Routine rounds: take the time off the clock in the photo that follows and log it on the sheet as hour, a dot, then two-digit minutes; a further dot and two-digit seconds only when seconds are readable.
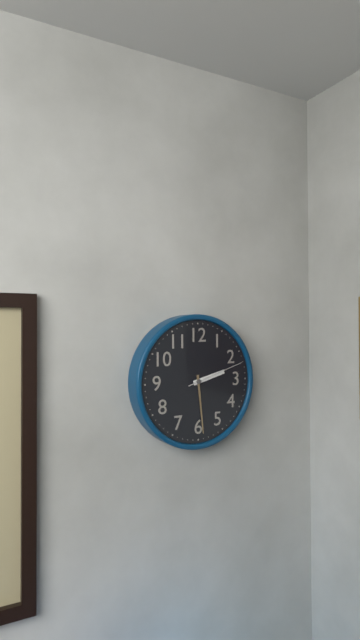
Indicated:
2.29.12
